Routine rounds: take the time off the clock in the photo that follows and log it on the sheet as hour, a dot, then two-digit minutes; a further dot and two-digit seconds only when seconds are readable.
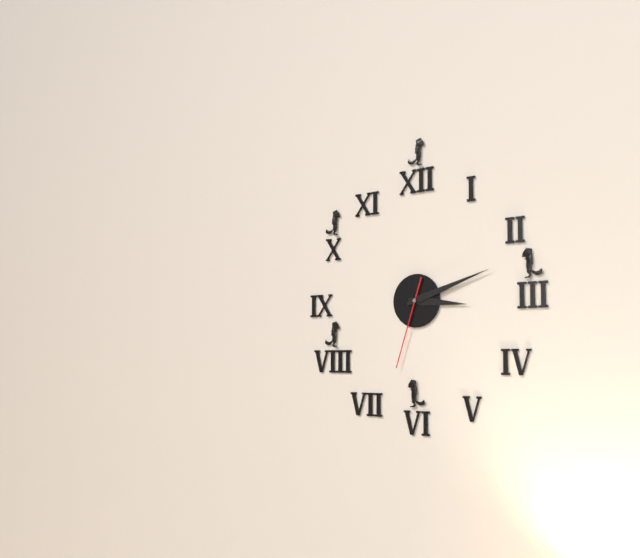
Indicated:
3.12.33
